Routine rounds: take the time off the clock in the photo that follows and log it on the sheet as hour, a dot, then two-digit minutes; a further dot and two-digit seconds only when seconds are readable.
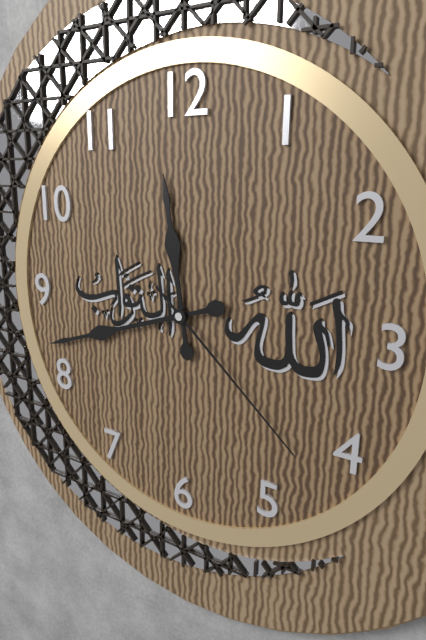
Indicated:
11.42.22
